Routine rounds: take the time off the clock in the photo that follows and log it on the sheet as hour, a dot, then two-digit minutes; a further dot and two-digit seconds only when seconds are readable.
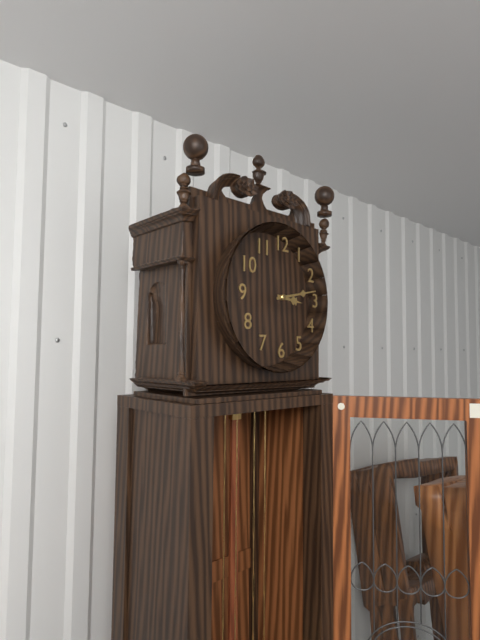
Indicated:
3.13
